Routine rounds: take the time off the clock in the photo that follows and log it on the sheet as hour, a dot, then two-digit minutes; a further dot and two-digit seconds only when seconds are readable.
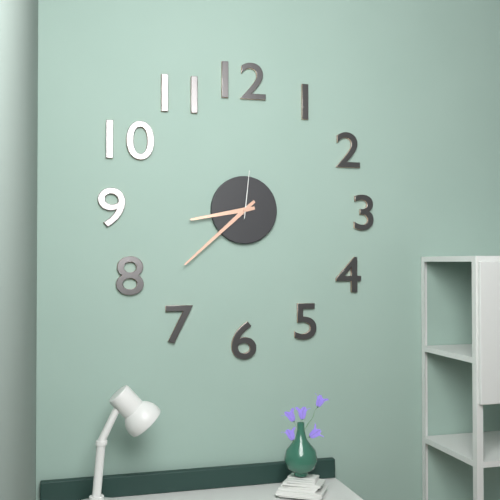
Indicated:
8.38
